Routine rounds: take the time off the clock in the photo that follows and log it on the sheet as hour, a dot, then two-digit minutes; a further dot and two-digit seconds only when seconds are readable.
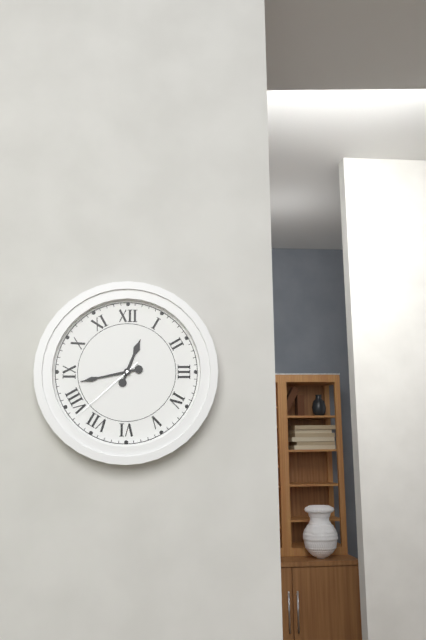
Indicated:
12.43.38
